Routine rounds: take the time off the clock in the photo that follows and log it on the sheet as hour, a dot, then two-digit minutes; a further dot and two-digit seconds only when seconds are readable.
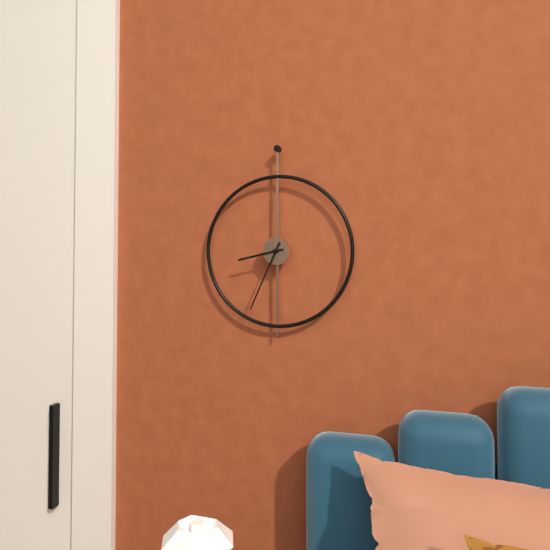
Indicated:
8.34
